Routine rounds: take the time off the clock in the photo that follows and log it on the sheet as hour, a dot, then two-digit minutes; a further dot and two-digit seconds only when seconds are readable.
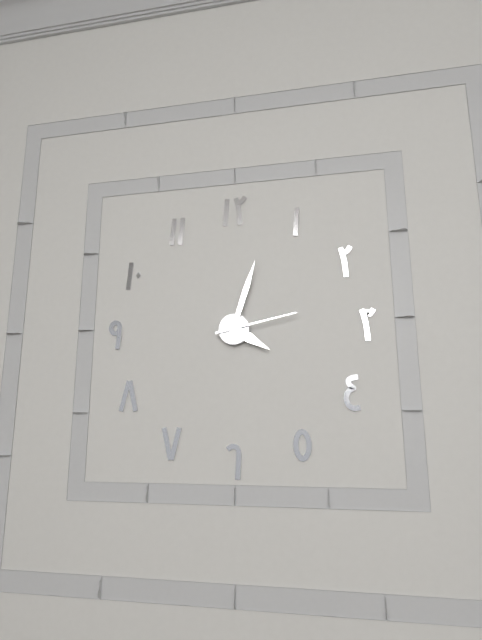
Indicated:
4.03.13
